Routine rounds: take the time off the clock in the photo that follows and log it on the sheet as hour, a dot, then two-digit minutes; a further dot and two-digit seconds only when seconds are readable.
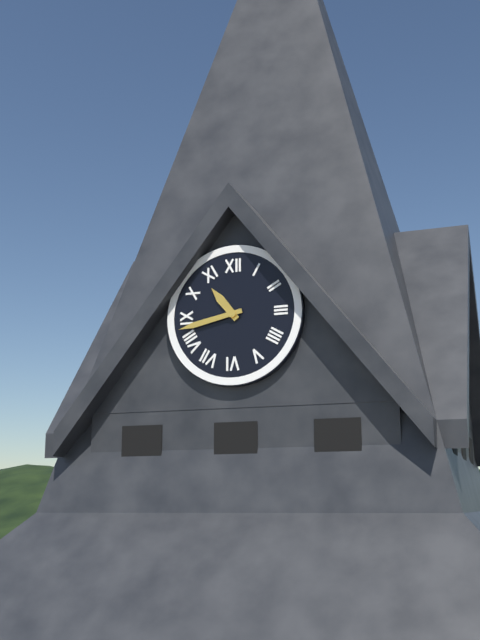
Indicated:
10.43
